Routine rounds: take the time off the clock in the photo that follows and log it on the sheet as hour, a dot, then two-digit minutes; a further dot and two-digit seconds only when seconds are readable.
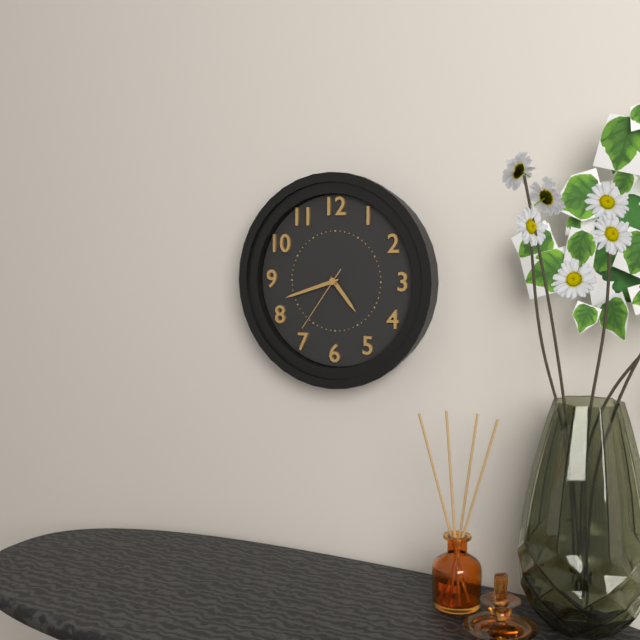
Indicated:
4.42.36
